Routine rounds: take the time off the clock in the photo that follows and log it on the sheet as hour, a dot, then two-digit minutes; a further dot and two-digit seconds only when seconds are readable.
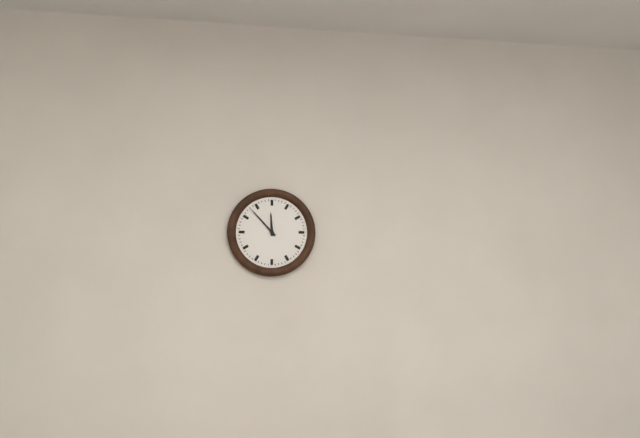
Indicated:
11.53
